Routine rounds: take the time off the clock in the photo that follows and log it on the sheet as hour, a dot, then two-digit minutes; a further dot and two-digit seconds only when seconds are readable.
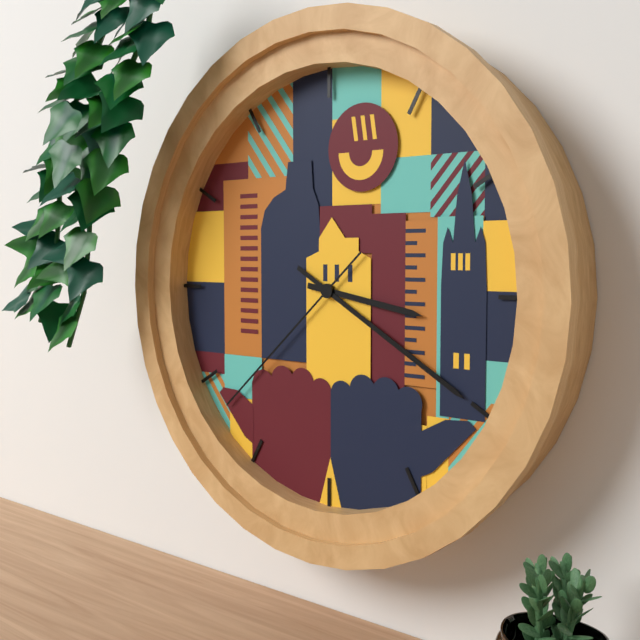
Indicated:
3.20.38
